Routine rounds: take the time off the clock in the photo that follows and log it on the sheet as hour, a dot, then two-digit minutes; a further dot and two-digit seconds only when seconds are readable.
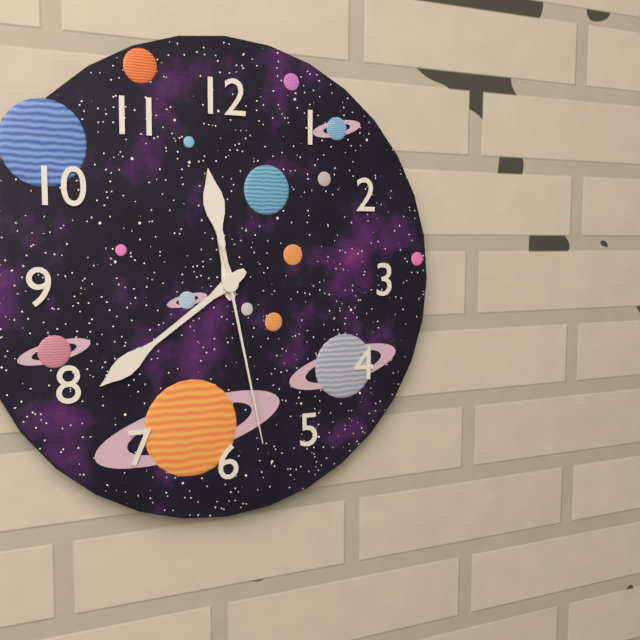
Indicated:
11.39.28
